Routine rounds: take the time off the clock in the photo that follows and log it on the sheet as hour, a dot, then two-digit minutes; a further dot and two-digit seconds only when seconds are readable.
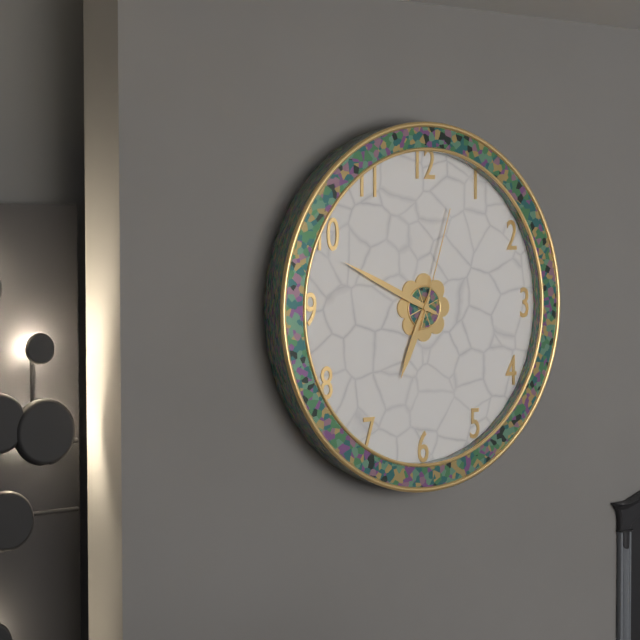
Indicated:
6.49.03
